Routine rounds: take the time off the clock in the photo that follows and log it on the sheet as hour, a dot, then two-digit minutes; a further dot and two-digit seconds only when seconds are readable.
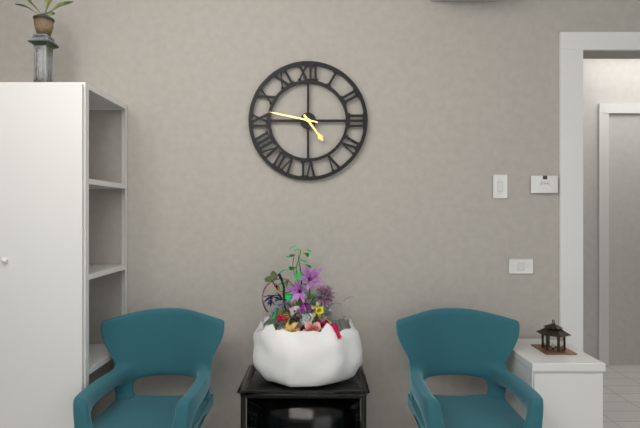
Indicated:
4.47
